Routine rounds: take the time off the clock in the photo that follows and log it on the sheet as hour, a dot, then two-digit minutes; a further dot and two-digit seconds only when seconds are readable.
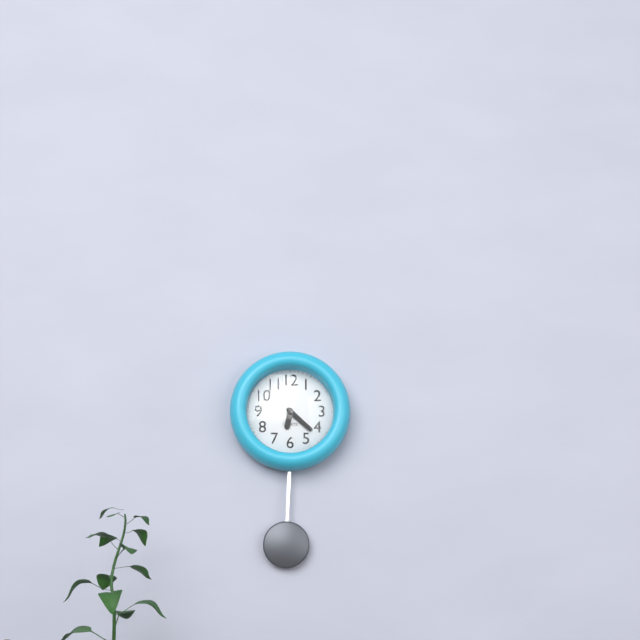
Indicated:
6.22
